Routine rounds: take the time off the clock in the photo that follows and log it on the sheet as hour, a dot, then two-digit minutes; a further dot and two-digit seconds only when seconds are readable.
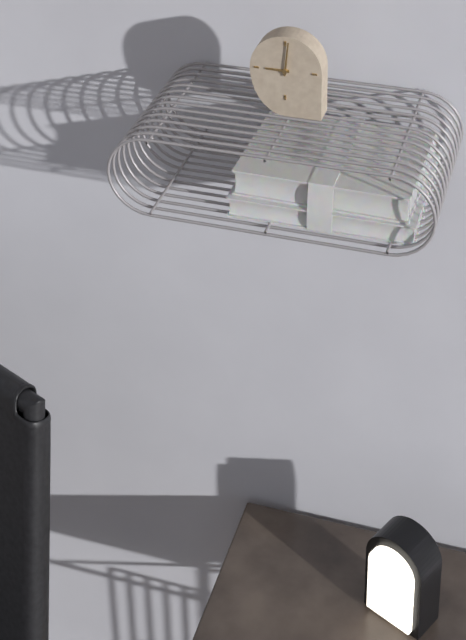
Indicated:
9.01
